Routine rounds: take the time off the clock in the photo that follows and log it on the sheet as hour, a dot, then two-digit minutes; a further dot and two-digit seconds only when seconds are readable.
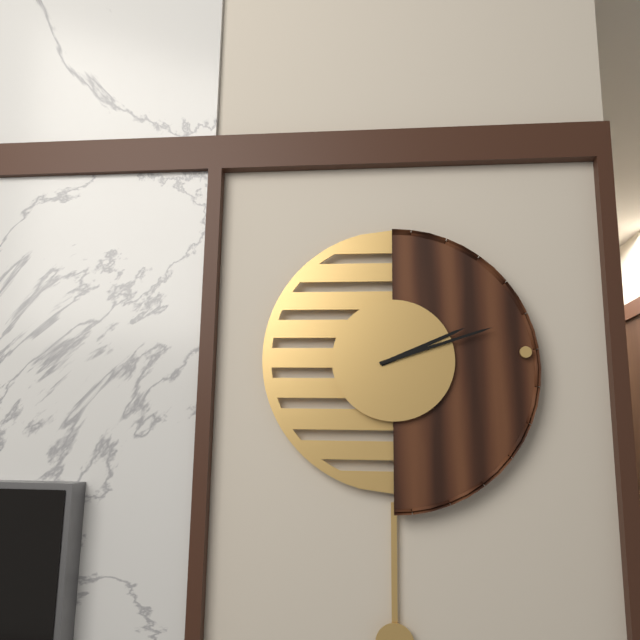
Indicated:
2.12
